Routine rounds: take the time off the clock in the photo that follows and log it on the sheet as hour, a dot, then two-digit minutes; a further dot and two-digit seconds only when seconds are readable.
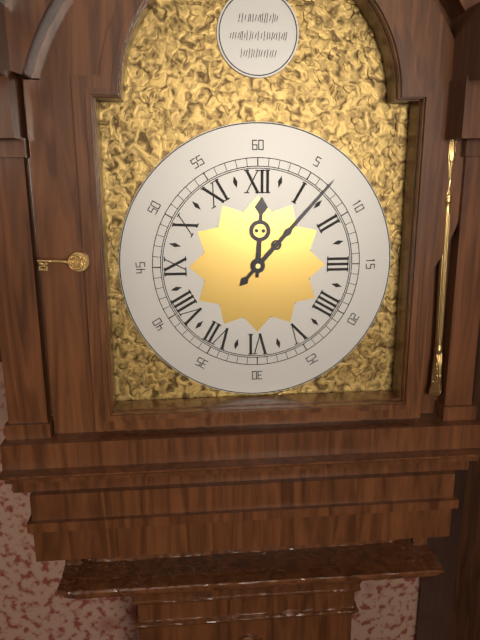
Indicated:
12.07
